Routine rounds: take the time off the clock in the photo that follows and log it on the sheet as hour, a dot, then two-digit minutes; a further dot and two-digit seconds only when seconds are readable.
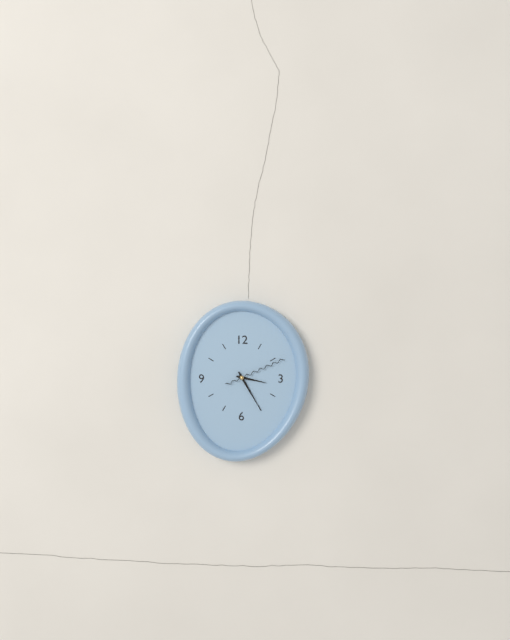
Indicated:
3.25.11
